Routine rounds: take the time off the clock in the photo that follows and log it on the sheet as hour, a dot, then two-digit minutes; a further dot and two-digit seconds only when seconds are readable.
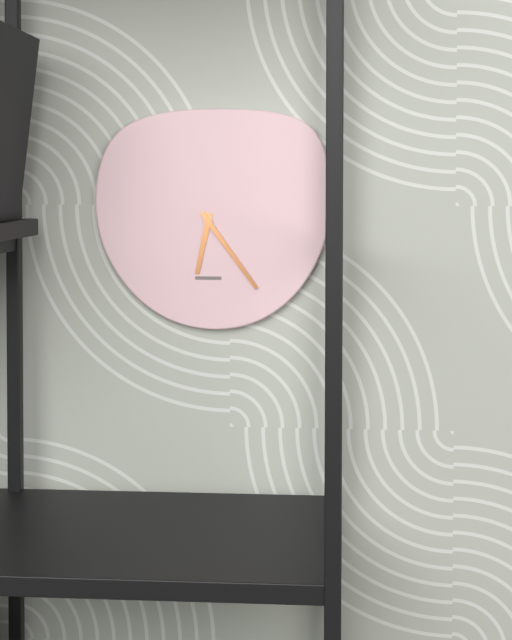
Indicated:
6.24
